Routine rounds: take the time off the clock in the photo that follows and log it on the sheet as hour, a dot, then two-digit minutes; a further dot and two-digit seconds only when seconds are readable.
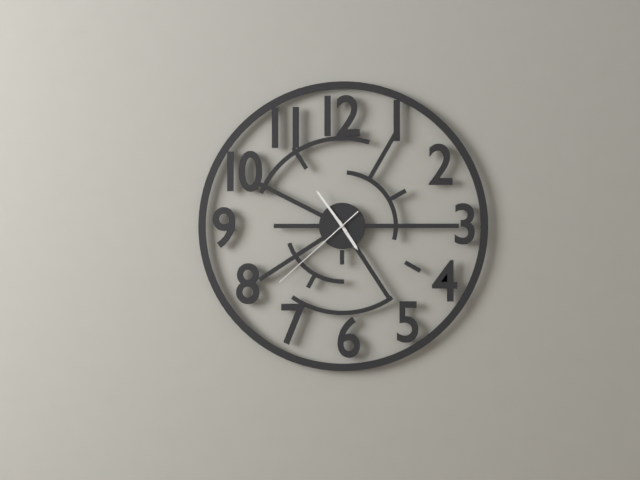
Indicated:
4.54.38
